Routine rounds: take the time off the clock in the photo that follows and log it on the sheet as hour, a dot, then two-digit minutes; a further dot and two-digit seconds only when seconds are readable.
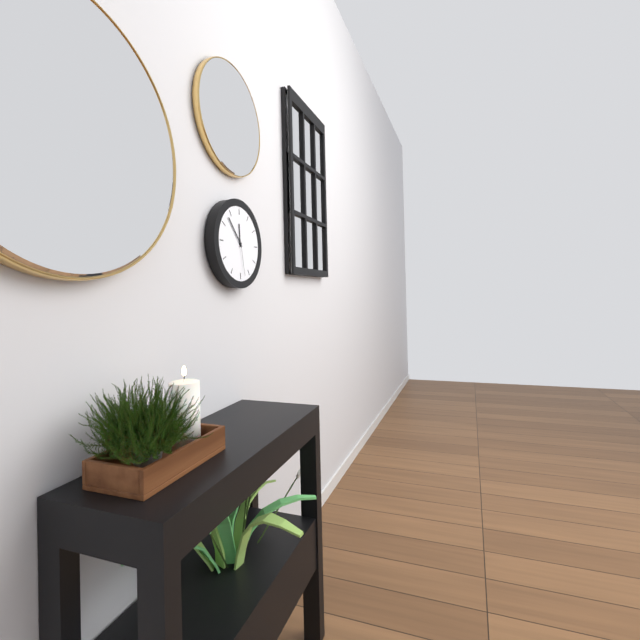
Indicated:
11.53
